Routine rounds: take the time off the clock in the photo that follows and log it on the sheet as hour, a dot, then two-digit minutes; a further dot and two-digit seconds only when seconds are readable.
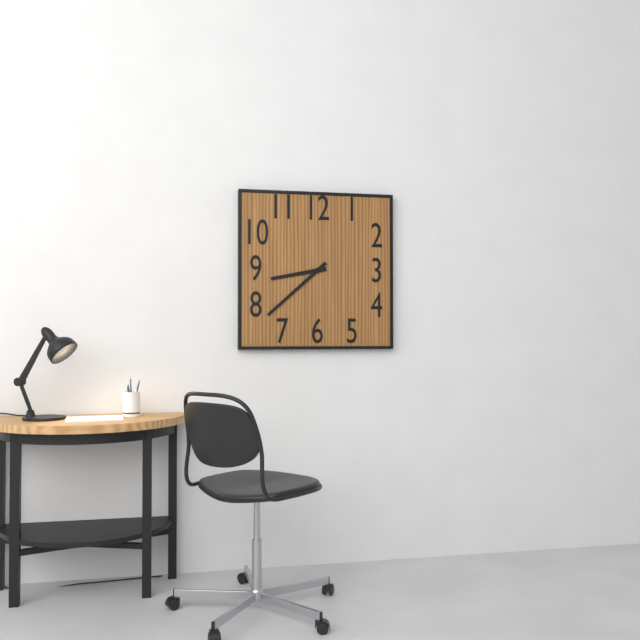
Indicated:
8.38
